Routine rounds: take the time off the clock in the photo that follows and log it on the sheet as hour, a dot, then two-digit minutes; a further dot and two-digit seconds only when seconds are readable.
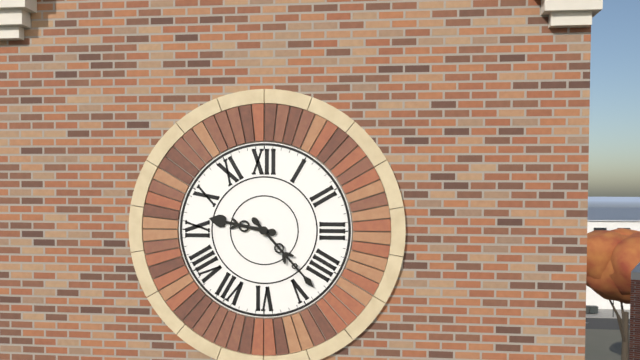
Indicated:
9.23
